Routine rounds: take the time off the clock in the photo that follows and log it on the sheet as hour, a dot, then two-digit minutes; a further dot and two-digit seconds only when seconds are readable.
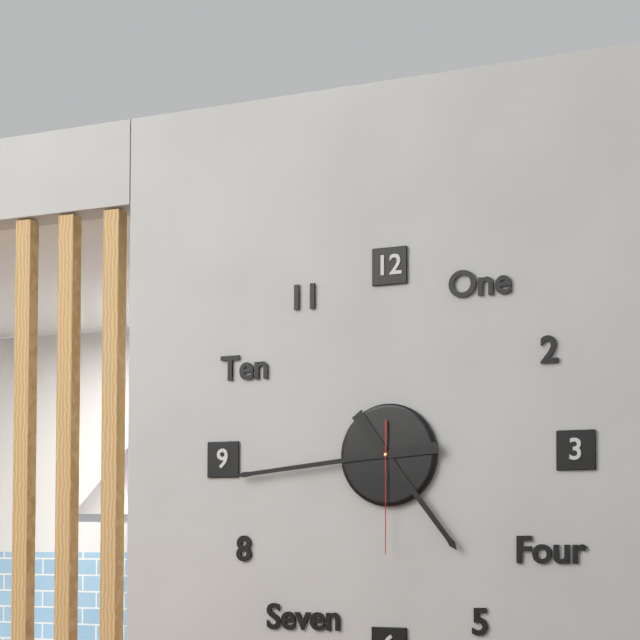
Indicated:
4.44.30
